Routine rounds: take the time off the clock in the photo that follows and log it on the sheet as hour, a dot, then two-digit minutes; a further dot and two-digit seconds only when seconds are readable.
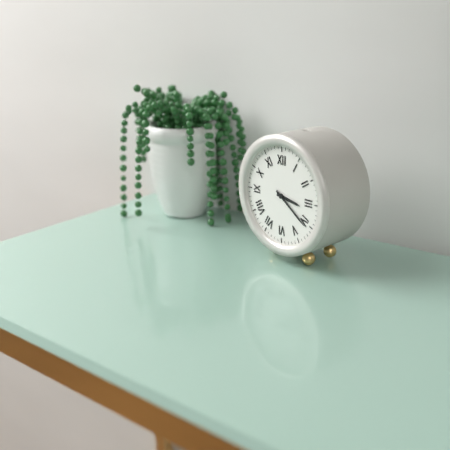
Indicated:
3.21
